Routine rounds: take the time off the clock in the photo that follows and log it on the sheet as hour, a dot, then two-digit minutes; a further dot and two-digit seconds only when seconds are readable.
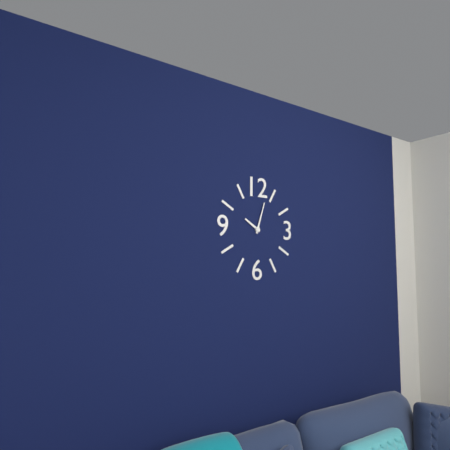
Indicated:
10.03
